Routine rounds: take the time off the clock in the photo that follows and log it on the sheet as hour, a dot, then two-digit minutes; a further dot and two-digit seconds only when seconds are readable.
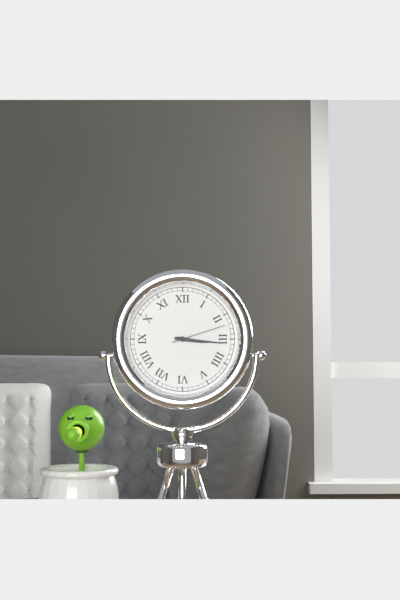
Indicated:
3.16.12
